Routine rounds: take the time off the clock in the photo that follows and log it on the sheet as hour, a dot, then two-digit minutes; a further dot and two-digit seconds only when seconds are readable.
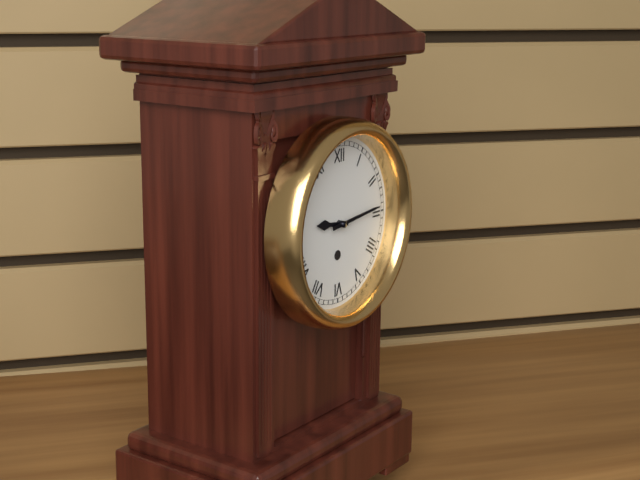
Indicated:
9.14
